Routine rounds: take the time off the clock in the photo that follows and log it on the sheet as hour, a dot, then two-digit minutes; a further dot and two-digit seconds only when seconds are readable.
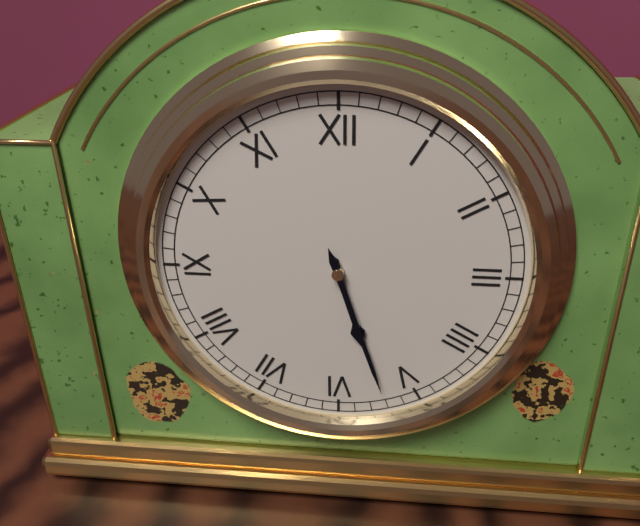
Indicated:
5.27
